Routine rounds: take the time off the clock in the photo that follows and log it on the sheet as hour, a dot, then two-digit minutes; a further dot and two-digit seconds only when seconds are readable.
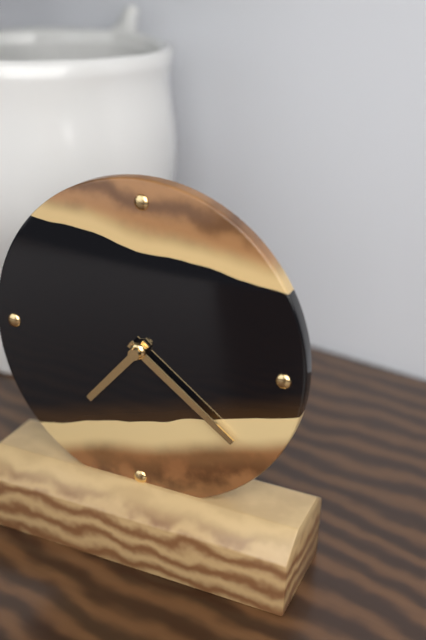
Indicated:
7.21
